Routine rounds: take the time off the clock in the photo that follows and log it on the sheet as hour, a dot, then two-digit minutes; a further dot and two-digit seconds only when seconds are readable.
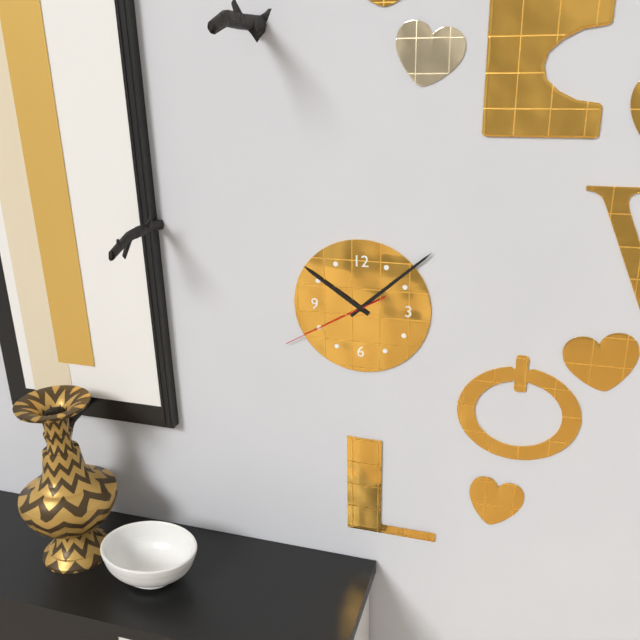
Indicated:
10.08.40
